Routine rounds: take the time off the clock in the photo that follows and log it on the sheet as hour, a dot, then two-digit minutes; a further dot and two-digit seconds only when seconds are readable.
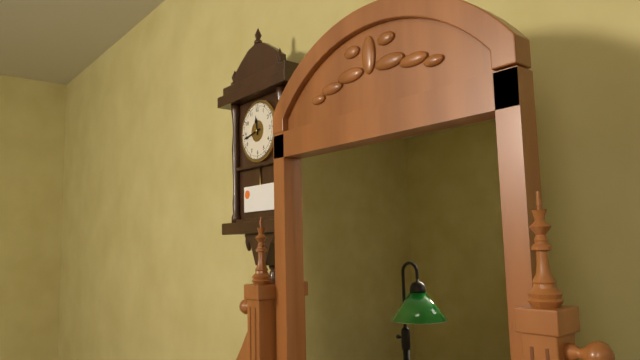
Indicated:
11.43
